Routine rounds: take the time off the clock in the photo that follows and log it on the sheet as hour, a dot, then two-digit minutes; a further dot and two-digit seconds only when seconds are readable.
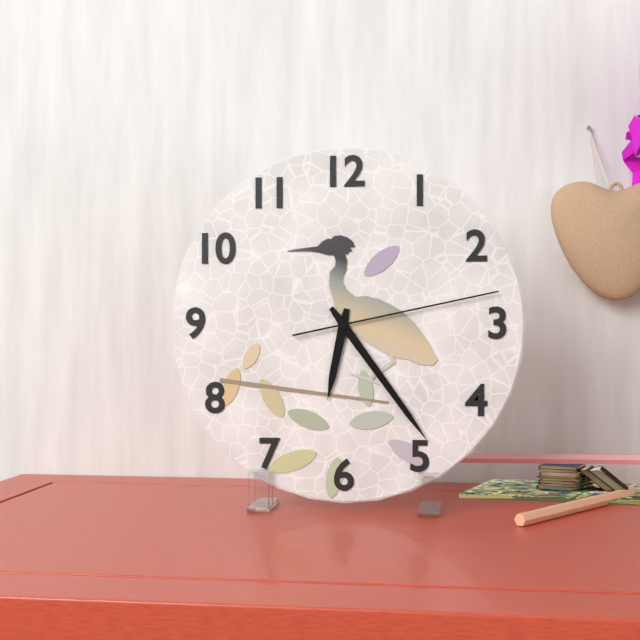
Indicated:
6.24.13
